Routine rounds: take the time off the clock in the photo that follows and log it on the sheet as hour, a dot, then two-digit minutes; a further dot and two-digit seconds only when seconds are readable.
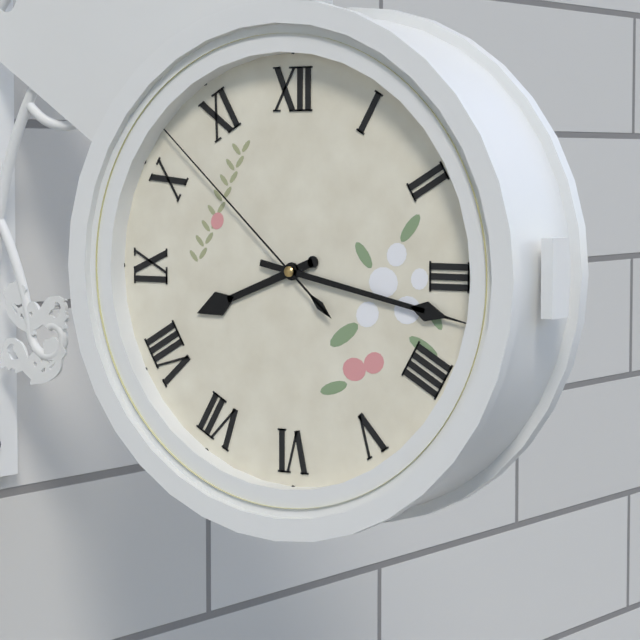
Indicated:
8.17.52
